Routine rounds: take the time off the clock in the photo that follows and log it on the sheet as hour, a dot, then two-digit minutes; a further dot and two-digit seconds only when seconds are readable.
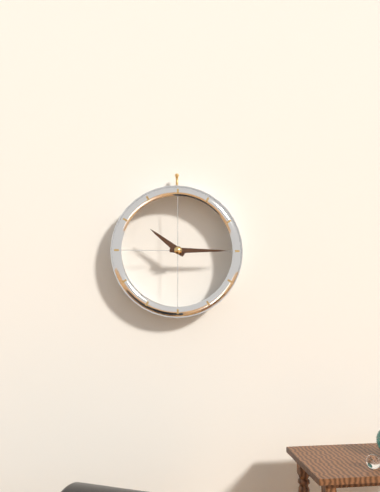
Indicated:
10.15
